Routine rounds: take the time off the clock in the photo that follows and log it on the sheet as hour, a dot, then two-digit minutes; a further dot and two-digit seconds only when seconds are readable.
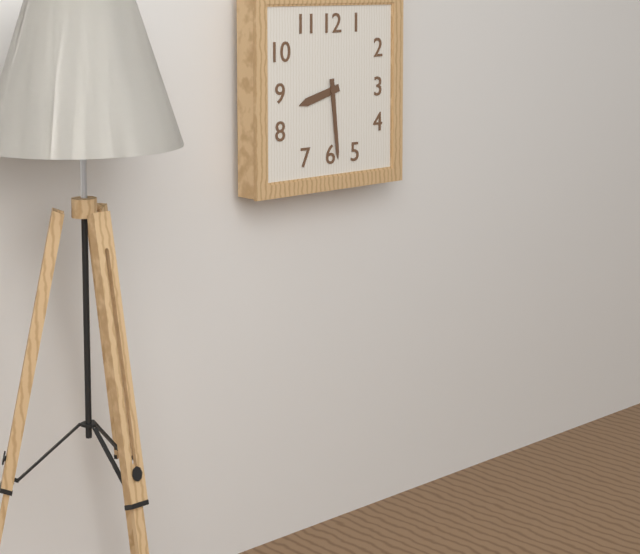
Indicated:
8.29
